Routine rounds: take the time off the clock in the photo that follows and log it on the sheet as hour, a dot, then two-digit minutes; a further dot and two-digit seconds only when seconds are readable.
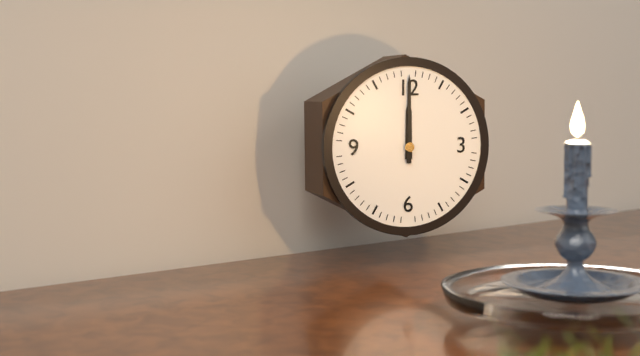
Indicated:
12.00
